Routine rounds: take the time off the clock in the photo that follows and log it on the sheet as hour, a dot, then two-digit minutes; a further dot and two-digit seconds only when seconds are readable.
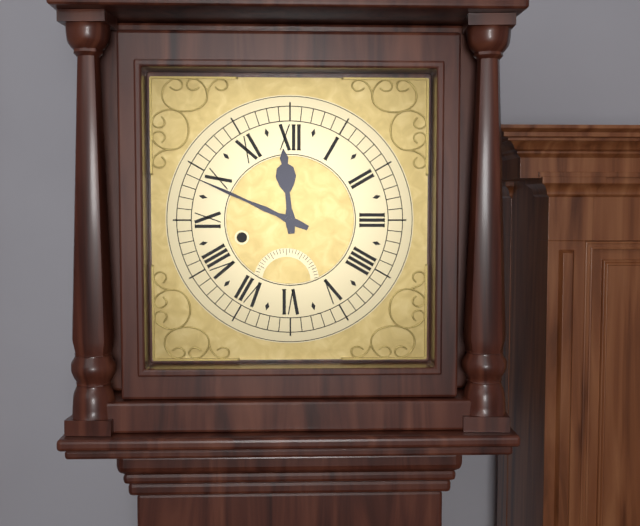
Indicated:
11.49
